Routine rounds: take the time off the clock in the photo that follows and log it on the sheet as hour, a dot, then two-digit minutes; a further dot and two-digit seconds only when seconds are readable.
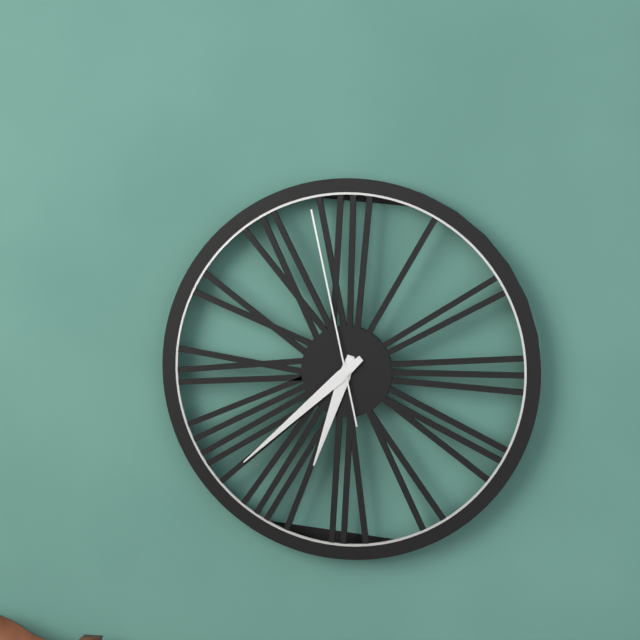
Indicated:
6.38.58
